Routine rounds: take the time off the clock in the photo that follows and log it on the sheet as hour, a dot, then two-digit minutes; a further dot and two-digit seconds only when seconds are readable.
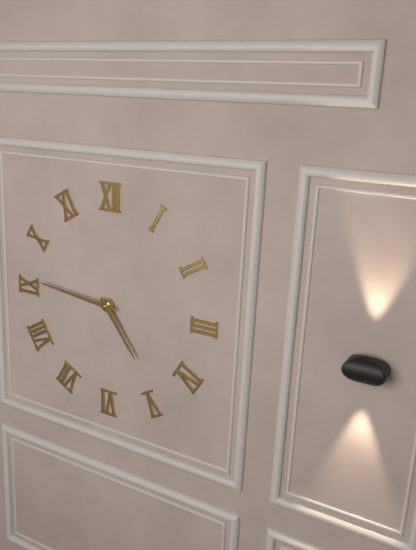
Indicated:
4.46
